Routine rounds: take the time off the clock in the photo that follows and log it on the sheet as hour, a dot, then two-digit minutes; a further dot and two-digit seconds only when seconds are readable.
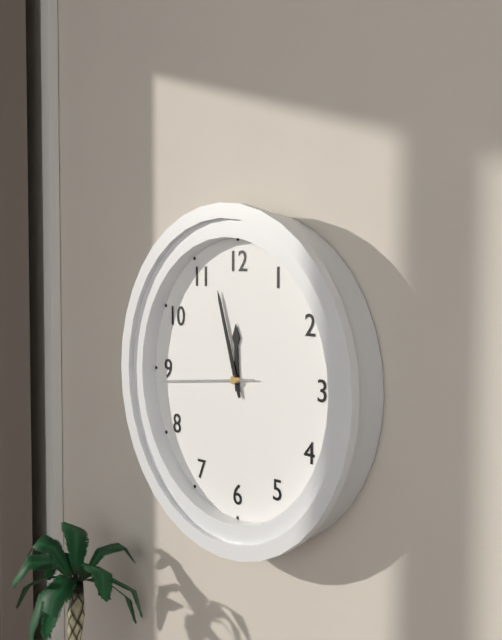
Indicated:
11.57.44
